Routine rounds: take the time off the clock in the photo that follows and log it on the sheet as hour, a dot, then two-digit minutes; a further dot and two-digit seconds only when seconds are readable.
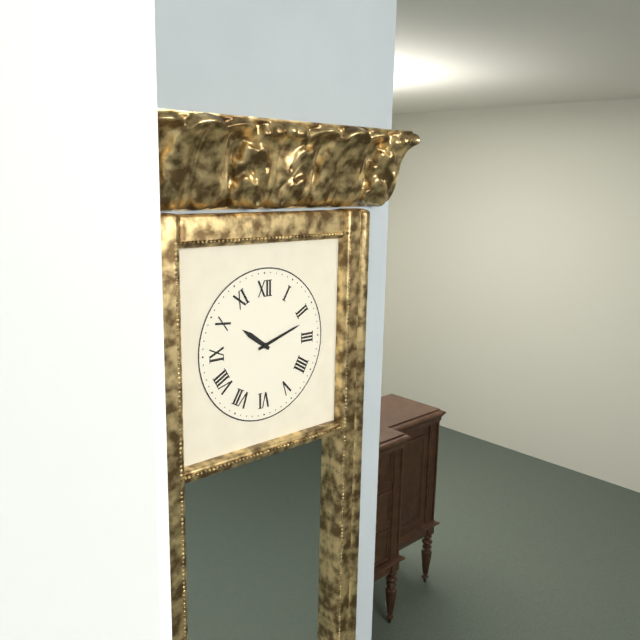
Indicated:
10.12
